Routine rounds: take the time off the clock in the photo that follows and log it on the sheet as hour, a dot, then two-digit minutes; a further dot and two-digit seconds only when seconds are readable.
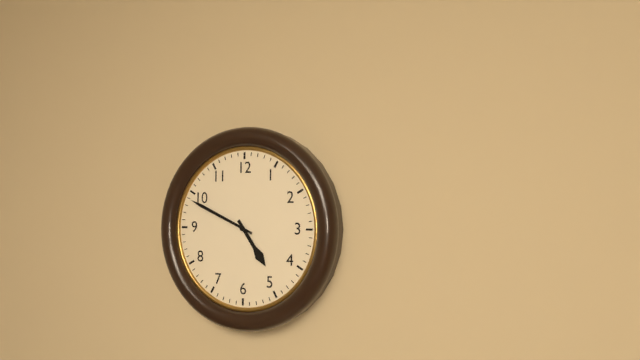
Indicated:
4.49
